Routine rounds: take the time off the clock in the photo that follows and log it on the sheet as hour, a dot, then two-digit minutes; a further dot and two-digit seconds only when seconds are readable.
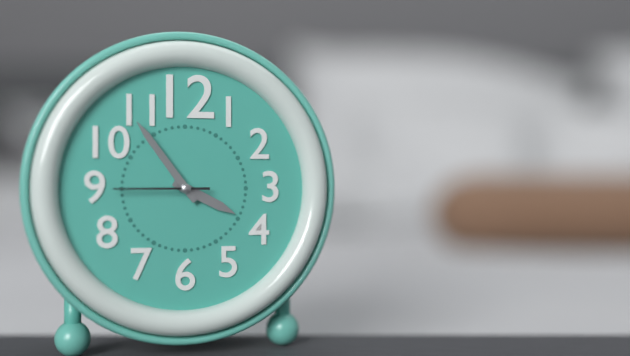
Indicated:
3.54.45
